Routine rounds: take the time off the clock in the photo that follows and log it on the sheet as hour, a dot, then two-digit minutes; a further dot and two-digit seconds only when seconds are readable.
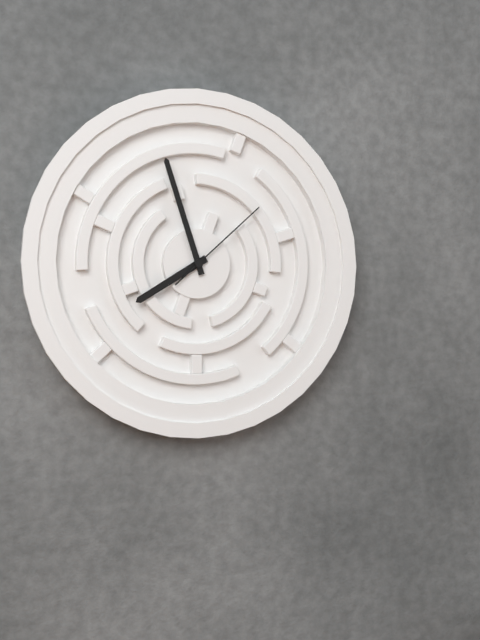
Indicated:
7.57.08
